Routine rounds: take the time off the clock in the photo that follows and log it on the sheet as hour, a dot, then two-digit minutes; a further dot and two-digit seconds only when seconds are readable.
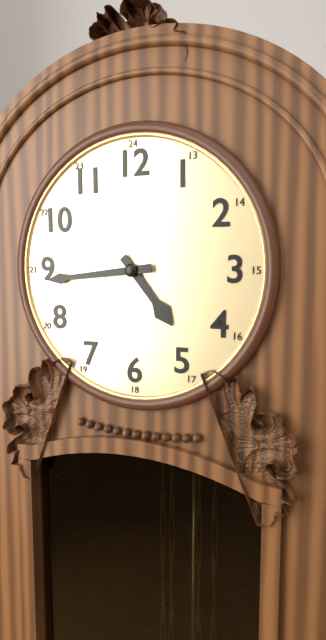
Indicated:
4.44
